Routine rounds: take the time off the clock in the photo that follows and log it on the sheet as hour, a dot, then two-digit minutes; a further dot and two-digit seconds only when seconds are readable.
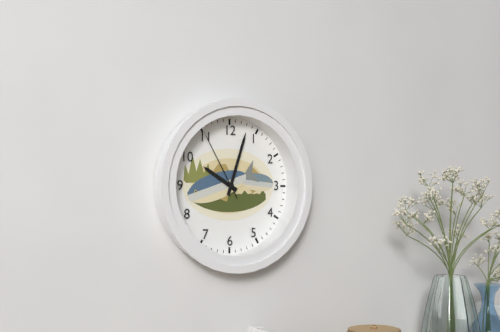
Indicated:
10.03.55
